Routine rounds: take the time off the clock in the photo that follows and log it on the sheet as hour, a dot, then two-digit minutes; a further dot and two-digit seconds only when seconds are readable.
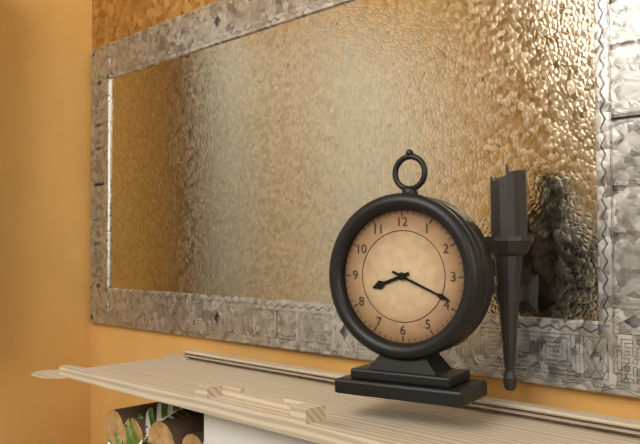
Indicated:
8.19
